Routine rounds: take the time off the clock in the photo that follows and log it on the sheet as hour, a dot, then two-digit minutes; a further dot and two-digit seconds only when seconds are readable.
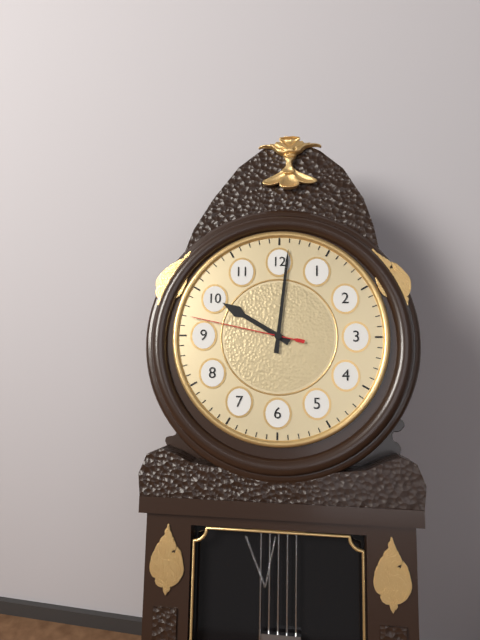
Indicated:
10.01.47
